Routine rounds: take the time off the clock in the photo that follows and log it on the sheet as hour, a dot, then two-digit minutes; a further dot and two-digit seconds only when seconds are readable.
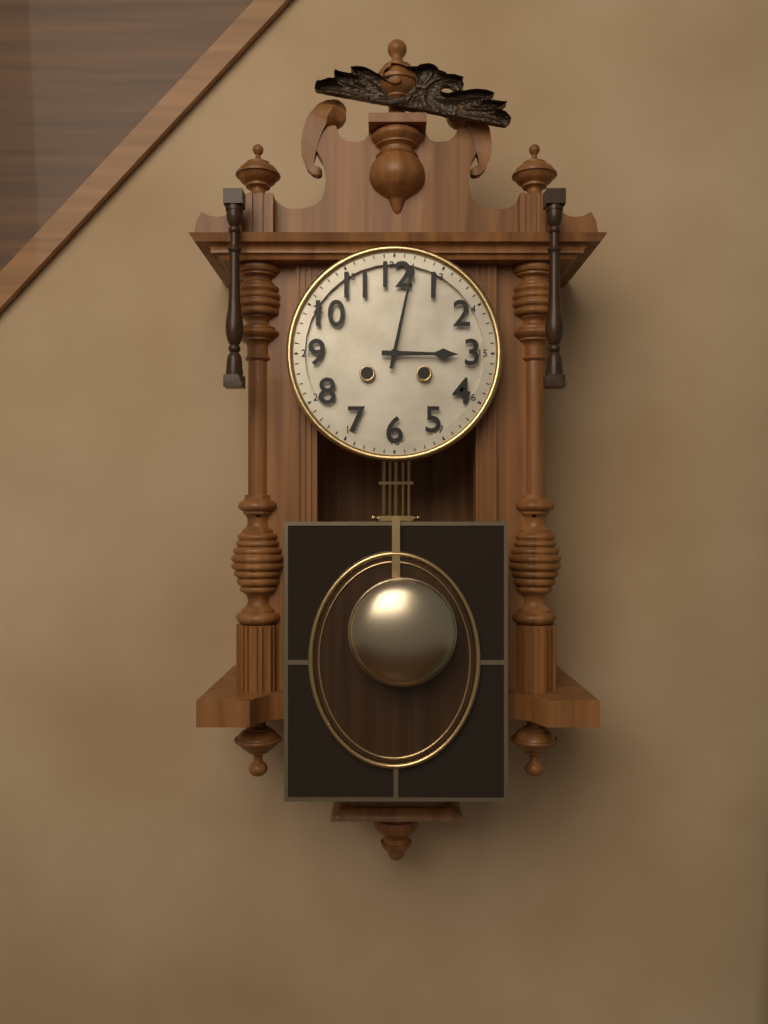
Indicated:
3.02
